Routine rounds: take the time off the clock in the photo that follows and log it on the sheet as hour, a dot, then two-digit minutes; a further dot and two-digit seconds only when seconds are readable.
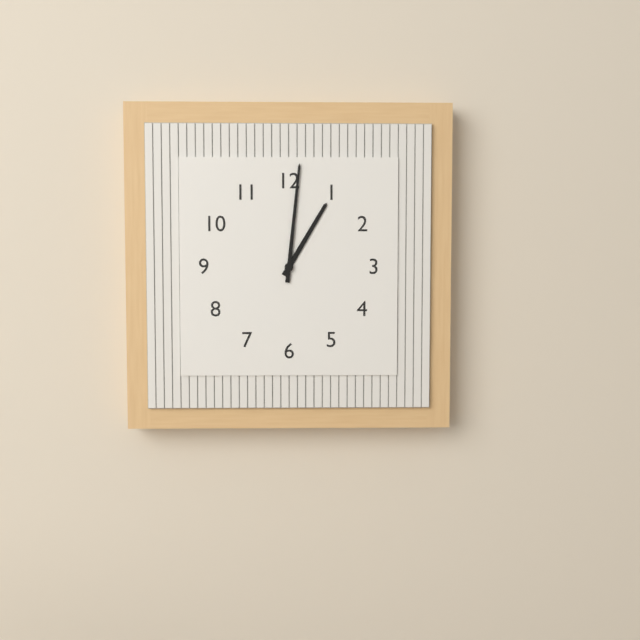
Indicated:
1.01
